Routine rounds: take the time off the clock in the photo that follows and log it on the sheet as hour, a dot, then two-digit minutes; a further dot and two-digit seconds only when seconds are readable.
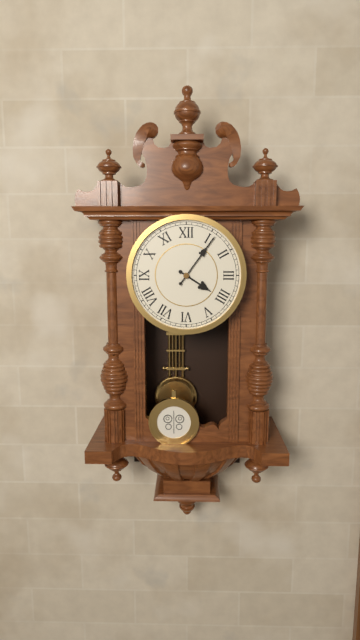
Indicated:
4.06
